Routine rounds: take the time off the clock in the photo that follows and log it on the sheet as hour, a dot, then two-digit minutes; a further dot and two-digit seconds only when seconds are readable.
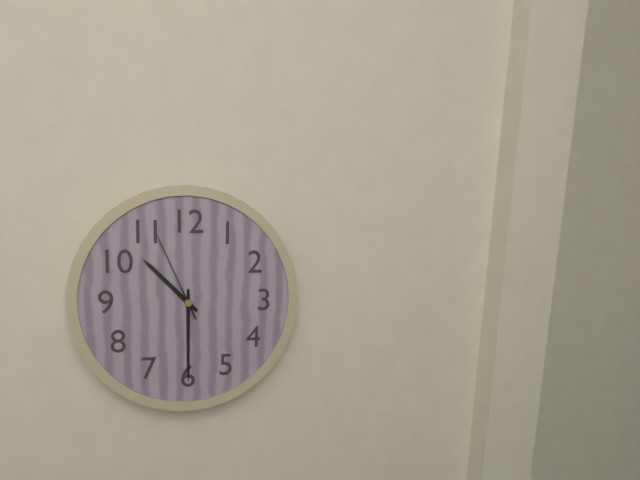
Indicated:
10.30.56
